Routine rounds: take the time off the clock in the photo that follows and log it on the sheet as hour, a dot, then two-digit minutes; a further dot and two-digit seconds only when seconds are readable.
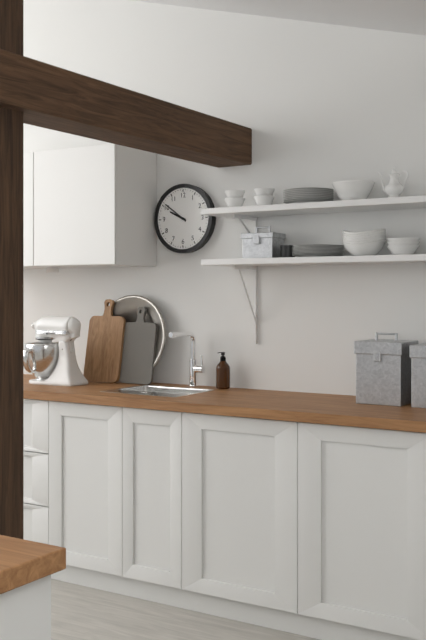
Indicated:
9.51
